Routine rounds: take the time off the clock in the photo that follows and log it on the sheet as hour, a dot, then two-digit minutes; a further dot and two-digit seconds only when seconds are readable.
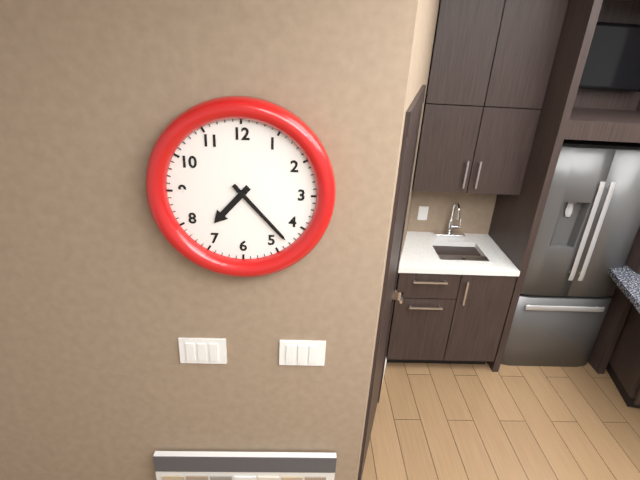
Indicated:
7.23
